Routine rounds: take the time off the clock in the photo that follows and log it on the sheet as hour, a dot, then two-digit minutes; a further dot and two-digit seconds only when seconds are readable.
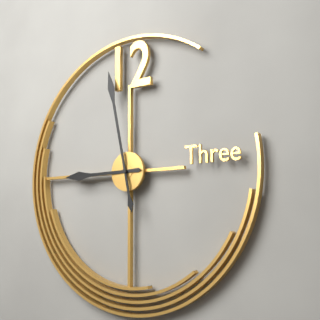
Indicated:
8.58
